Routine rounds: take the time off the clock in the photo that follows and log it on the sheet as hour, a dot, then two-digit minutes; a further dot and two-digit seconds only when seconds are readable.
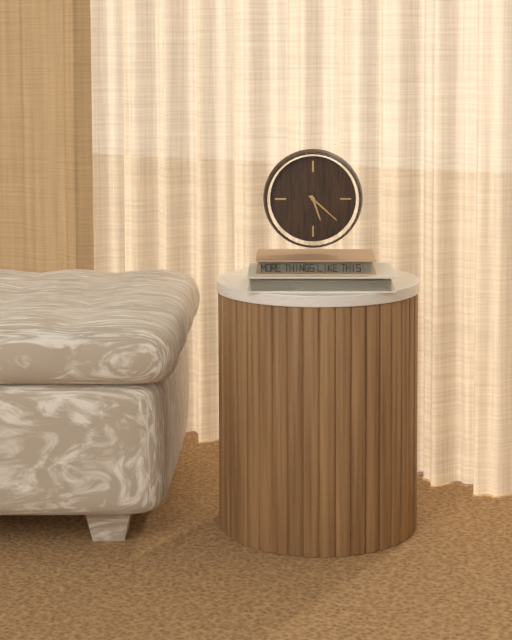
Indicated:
5.22
